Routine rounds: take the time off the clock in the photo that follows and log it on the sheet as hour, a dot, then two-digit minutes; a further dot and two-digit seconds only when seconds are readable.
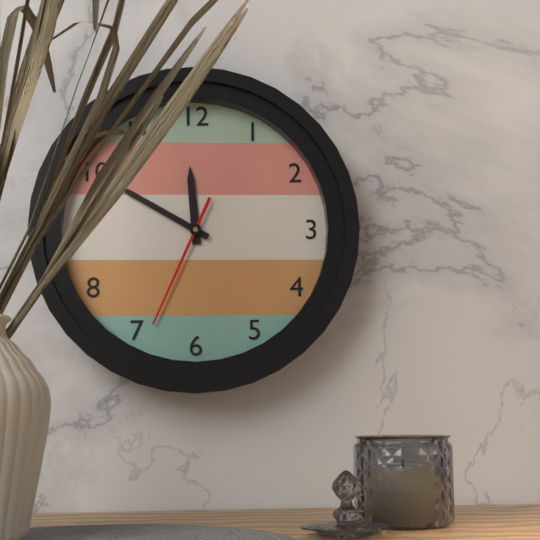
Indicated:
11.50.34
